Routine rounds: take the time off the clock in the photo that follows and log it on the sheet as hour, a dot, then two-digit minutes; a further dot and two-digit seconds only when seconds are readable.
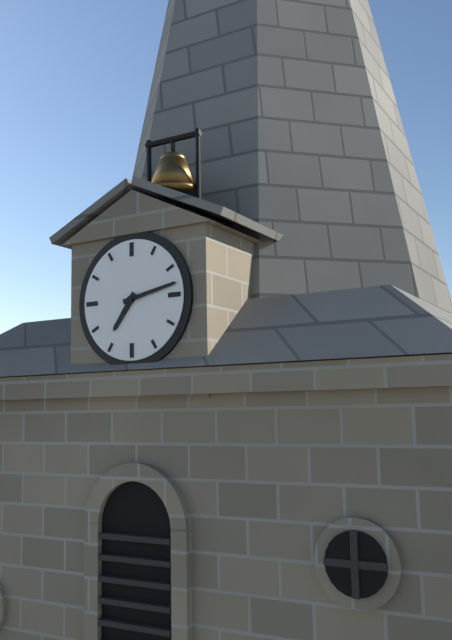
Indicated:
7.13
